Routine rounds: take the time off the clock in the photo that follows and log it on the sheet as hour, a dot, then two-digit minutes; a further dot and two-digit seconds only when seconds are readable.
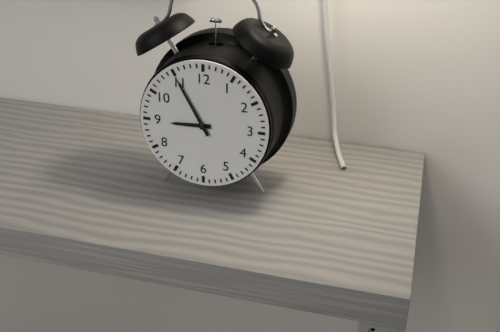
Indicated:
8.55
